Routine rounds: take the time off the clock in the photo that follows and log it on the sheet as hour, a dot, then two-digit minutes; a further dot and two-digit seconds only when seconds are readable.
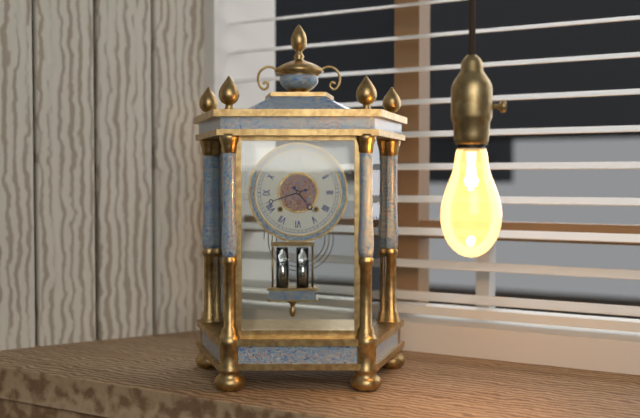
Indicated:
4.42
